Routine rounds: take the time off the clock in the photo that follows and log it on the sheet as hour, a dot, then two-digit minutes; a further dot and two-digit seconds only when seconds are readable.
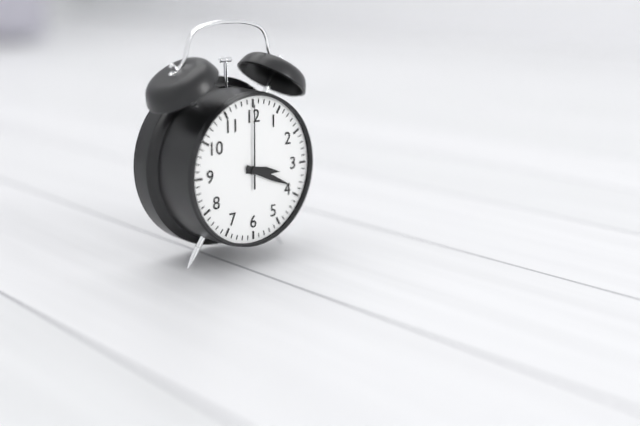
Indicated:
3.19.00
